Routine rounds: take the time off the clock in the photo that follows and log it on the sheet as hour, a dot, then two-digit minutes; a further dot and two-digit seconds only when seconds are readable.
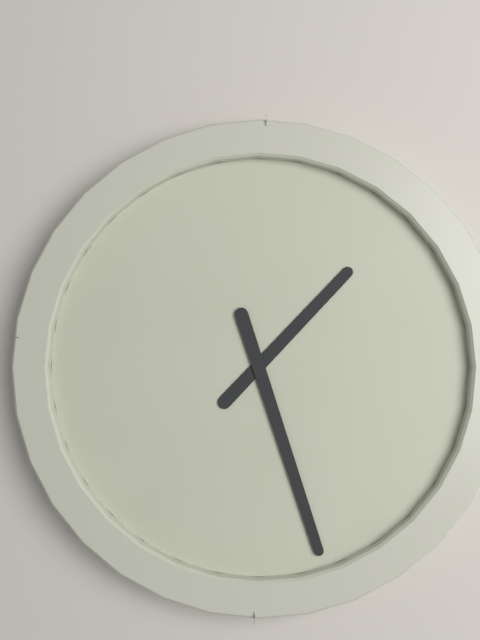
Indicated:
1.27
